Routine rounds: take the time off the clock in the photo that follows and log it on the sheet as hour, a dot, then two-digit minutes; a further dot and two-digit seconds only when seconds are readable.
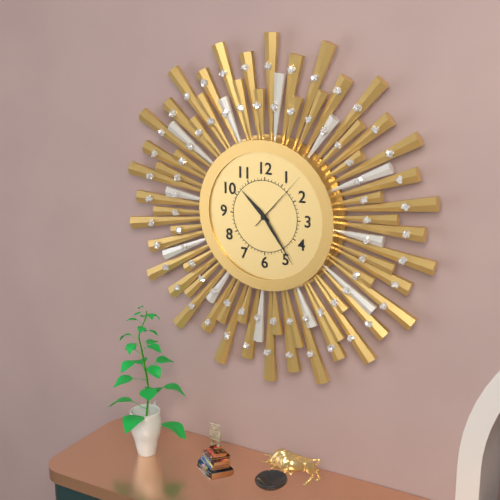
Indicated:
10.24.07
